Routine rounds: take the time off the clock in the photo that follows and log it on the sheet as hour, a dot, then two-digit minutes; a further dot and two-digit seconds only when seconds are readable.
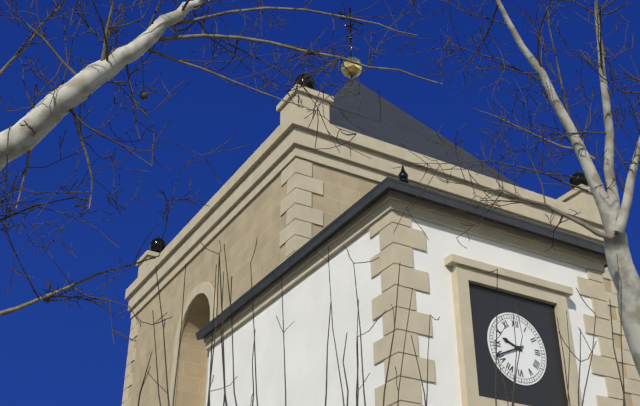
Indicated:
9.41
